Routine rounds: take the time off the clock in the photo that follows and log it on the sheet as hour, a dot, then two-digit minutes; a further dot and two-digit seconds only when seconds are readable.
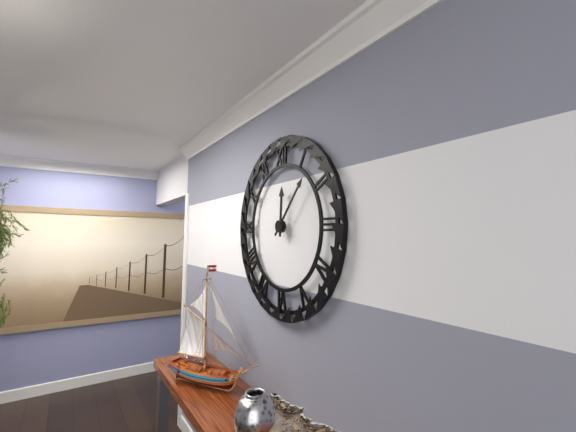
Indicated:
12.07
